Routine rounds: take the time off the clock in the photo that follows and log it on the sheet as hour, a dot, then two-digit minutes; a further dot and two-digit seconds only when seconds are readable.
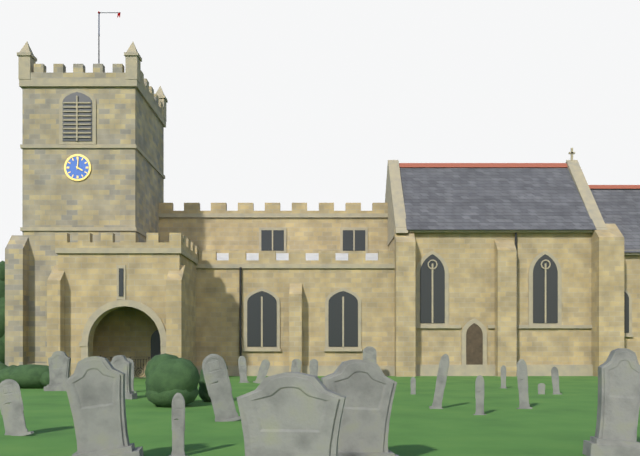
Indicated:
4.01
